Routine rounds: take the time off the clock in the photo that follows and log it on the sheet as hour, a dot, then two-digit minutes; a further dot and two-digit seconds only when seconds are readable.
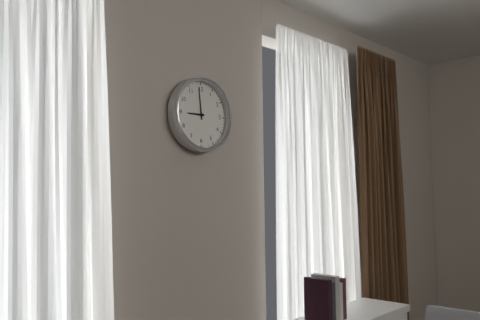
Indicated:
8.59
